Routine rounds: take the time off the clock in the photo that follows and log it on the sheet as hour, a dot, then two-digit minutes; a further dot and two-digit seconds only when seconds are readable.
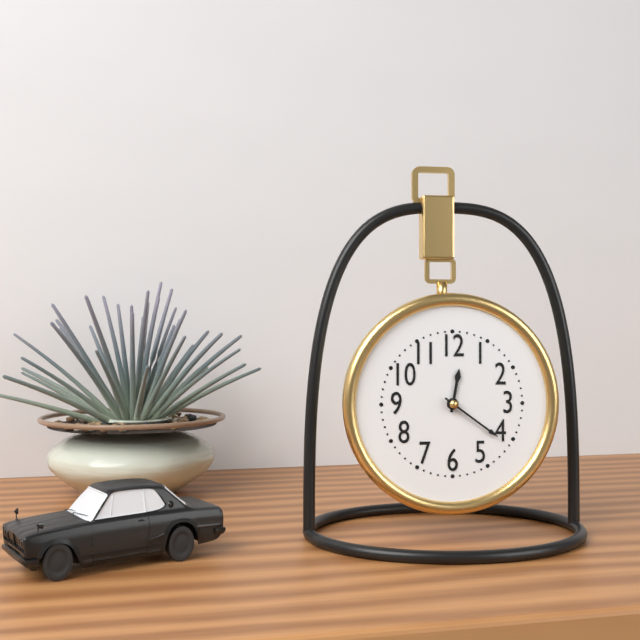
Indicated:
12.21
